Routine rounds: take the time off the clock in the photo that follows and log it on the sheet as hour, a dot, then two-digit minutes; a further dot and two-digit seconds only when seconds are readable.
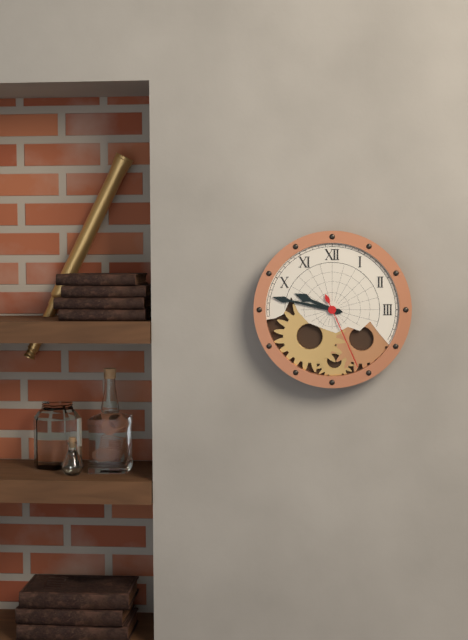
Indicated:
9.47.26
